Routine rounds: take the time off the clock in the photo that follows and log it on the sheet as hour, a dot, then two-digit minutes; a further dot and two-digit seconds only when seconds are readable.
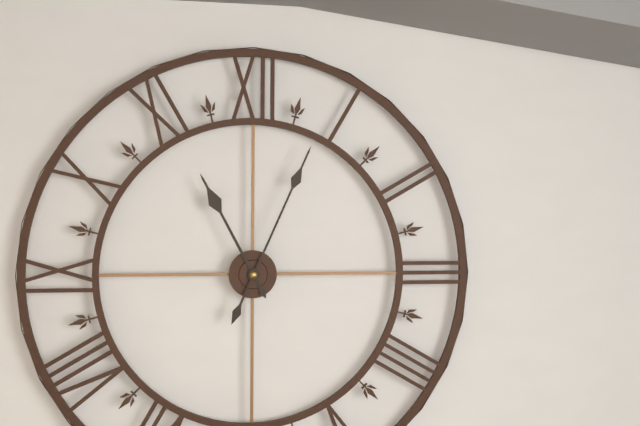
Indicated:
11.04
